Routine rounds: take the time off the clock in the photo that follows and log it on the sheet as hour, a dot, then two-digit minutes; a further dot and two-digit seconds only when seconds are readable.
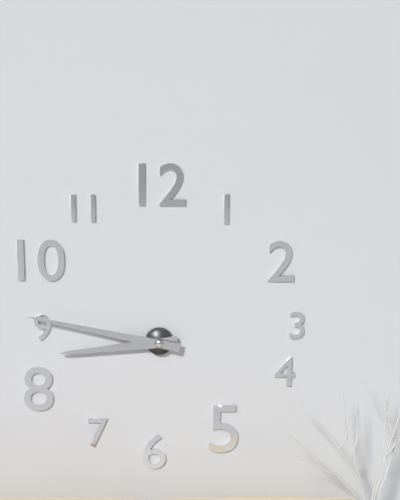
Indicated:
8.47
